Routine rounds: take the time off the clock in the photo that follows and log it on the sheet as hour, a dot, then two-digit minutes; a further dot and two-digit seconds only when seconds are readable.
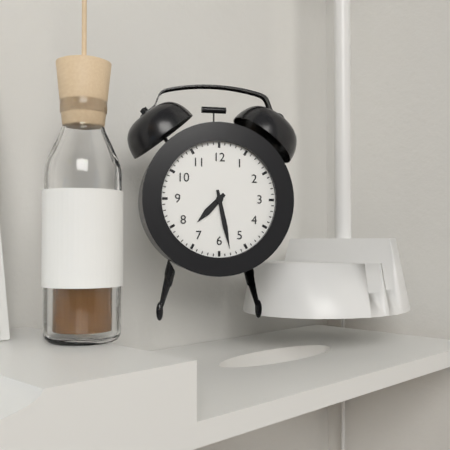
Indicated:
7.28
